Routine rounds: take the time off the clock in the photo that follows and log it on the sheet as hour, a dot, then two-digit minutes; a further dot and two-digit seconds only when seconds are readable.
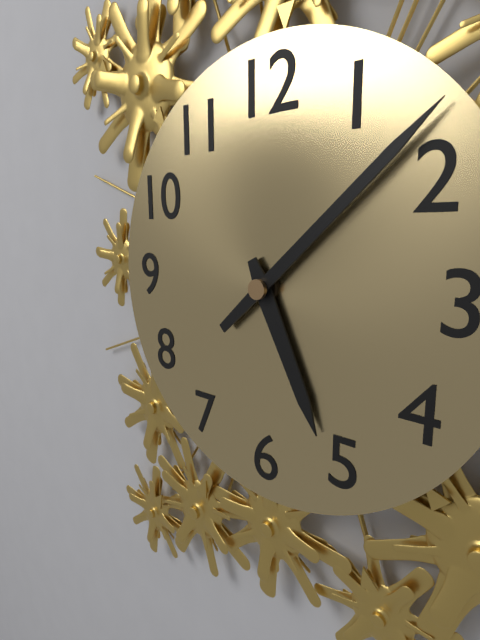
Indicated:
5.08
